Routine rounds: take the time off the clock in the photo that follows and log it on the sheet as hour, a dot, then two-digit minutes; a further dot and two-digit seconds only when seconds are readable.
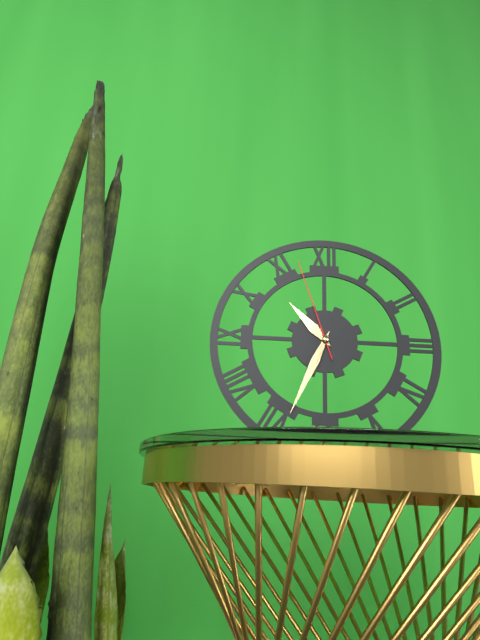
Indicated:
10.34.57
